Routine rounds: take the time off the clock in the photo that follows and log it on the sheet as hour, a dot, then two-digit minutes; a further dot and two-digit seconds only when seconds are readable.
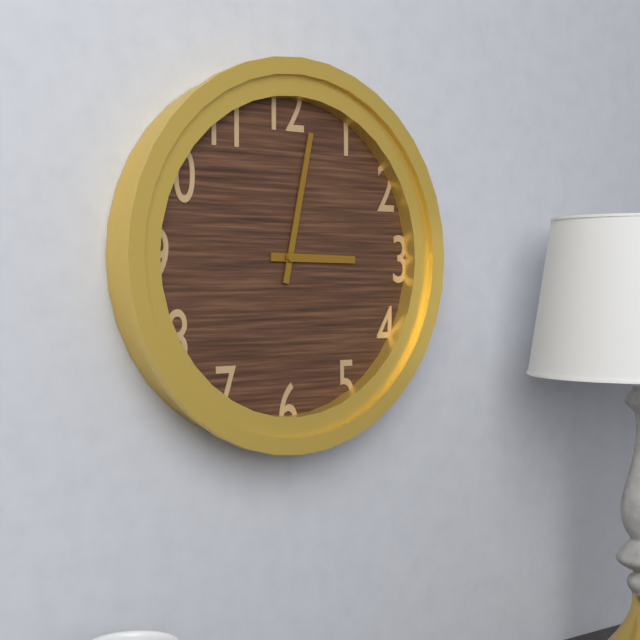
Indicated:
3.02
